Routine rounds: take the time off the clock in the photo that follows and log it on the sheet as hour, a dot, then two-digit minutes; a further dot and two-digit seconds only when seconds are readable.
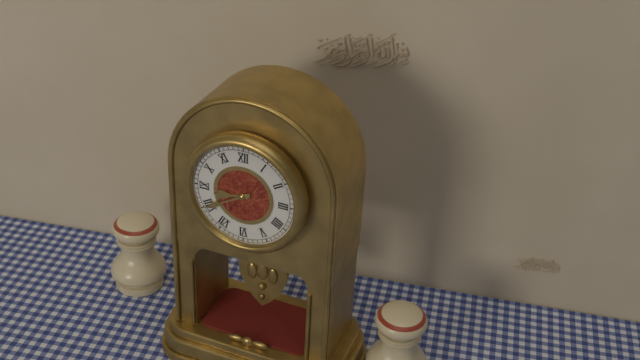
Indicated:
8.40
